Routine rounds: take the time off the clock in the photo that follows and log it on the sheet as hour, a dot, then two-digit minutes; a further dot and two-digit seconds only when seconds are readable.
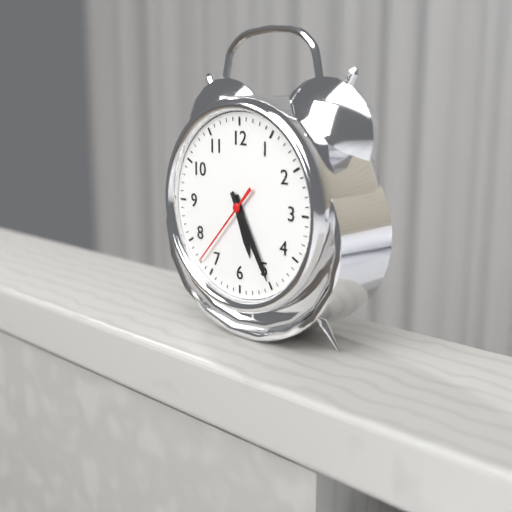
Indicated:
5.25.37
